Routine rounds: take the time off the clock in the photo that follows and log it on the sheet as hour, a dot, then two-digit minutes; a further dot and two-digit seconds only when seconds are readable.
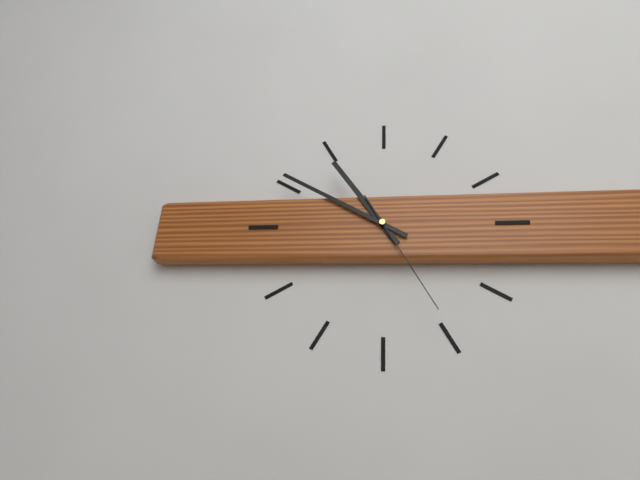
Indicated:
10.50.25
